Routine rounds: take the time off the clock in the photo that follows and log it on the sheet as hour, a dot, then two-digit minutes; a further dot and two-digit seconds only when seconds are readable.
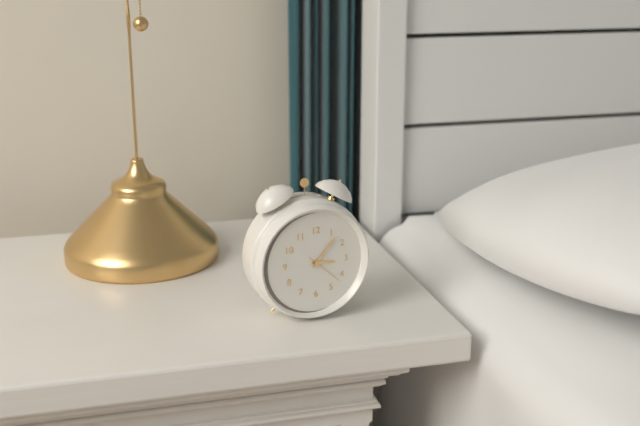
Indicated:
3.07
